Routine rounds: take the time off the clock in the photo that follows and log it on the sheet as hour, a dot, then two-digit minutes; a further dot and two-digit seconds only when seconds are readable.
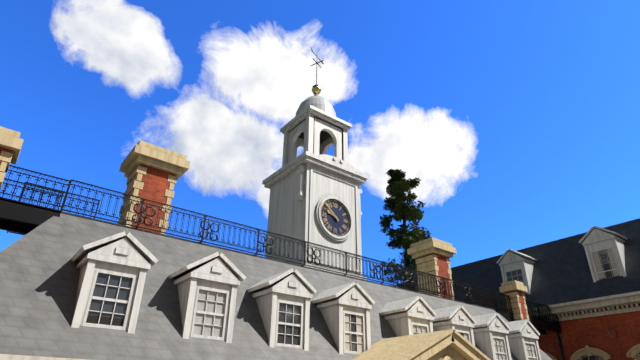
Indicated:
9.52
